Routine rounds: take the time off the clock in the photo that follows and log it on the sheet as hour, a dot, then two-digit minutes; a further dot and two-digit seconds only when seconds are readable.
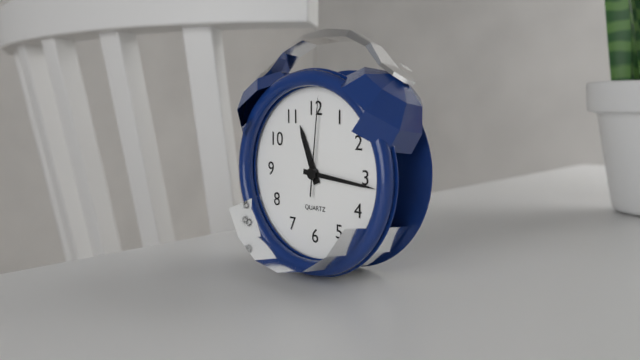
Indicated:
11.16.01
